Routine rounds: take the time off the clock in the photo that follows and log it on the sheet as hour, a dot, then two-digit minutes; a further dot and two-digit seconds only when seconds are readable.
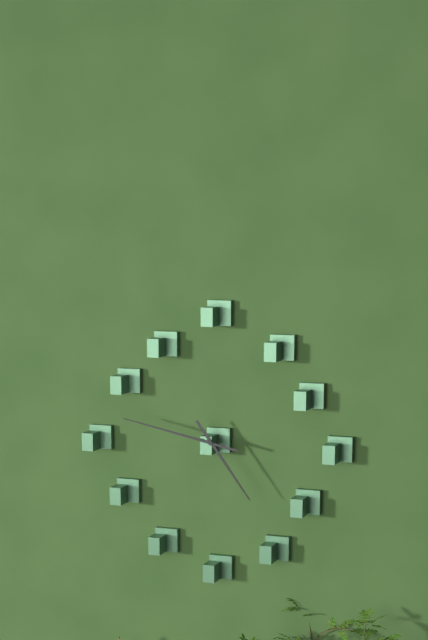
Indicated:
4.47
